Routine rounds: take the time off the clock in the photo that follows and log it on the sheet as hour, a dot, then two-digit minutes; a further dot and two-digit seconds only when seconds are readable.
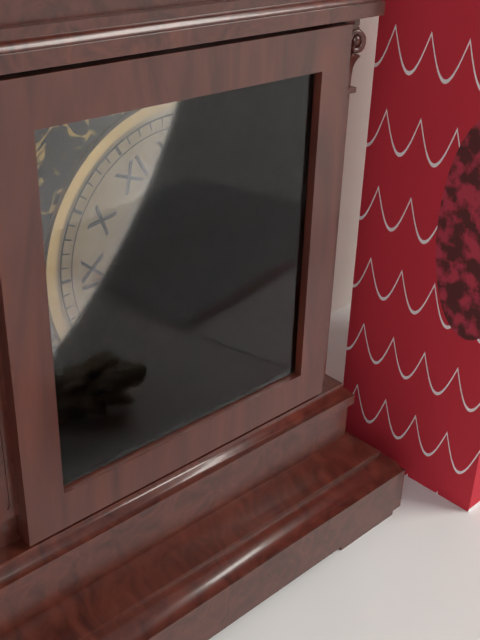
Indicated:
1.05.33
